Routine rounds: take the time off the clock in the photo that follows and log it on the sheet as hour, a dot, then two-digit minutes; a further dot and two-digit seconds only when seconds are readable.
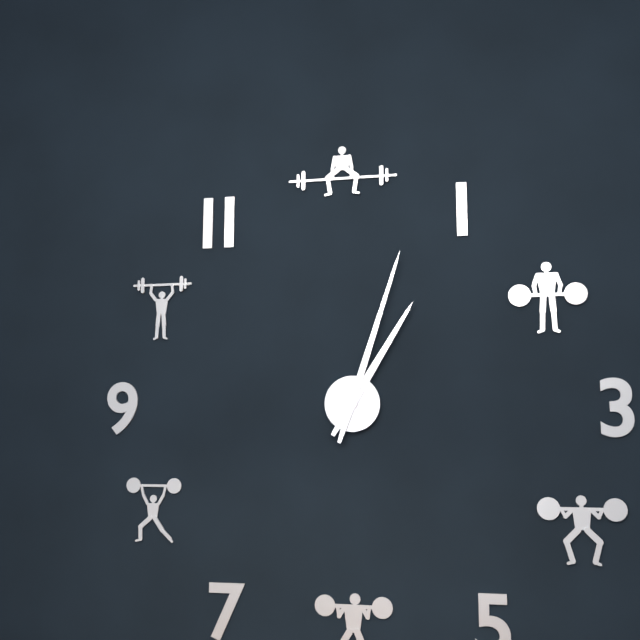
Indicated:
1.03
